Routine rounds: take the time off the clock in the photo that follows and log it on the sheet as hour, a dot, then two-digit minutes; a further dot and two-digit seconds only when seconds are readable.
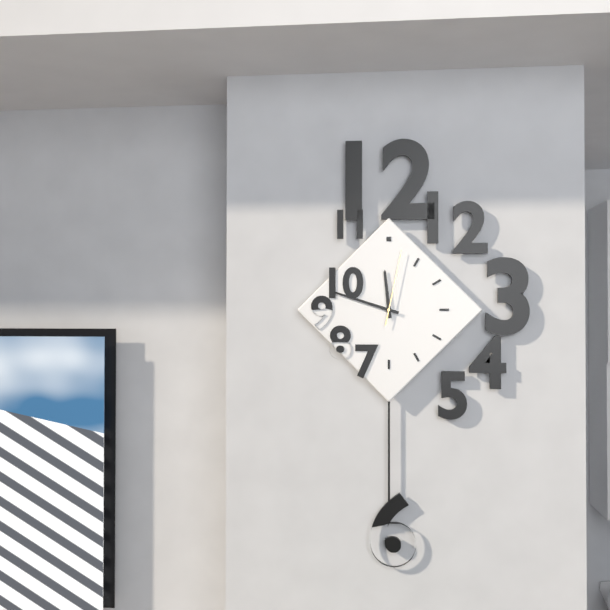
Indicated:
11.48.02
